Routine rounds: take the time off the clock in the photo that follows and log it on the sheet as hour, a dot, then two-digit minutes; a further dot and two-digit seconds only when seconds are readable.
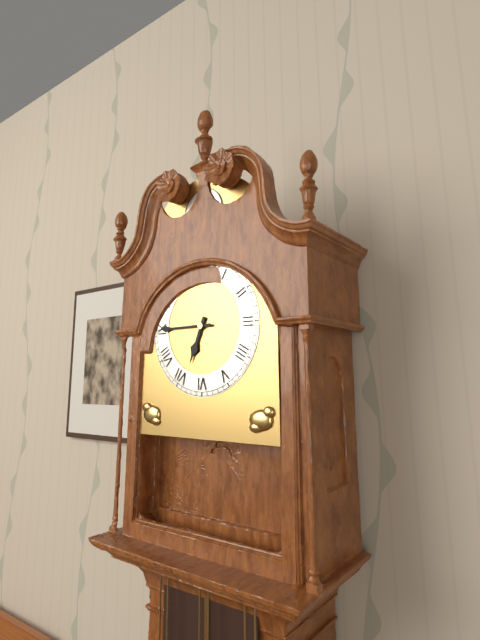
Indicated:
6.45
